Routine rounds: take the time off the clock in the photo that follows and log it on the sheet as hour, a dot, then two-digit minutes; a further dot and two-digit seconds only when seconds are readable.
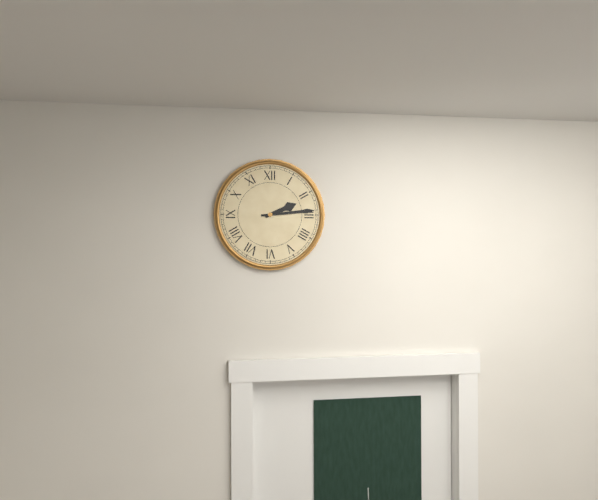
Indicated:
2.14
